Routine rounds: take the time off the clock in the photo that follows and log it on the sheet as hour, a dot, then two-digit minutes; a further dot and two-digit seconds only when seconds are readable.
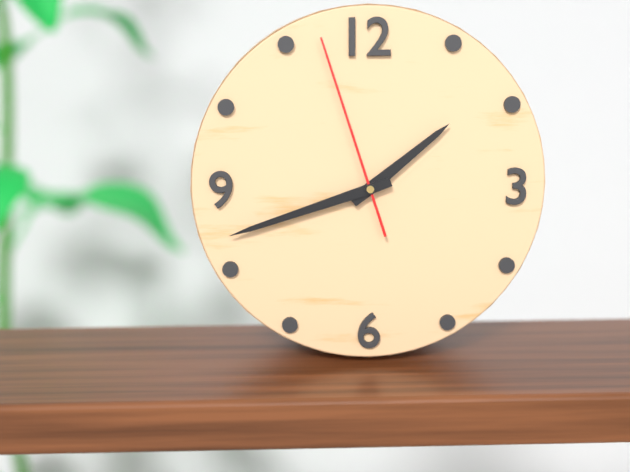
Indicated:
1.42.57
